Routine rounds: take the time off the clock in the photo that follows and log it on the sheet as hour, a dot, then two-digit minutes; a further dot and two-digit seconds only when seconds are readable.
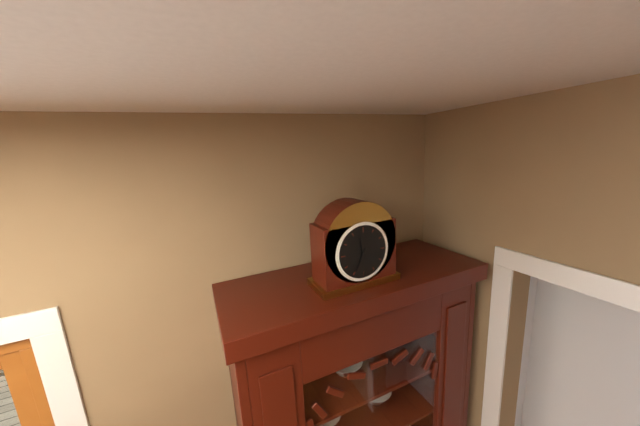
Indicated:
11.34
